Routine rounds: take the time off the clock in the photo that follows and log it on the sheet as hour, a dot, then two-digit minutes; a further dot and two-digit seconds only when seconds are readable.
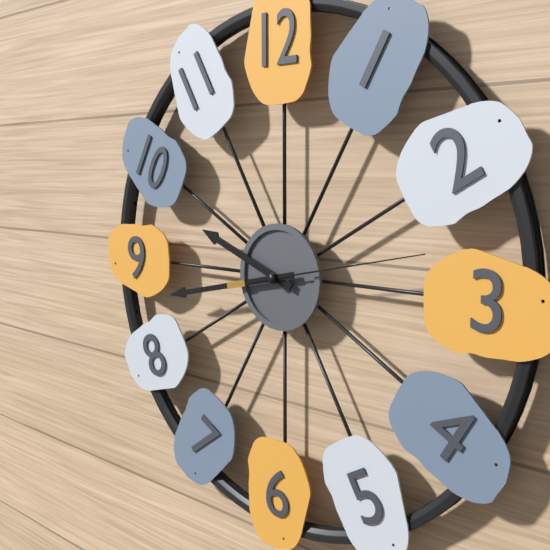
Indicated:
9.43.13
